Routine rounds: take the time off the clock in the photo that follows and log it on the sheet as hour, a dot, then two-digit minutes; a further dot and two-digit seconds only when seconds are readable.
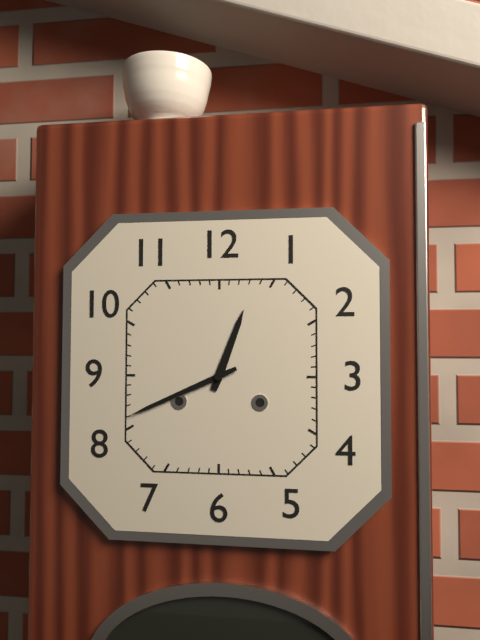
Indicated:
12.41
